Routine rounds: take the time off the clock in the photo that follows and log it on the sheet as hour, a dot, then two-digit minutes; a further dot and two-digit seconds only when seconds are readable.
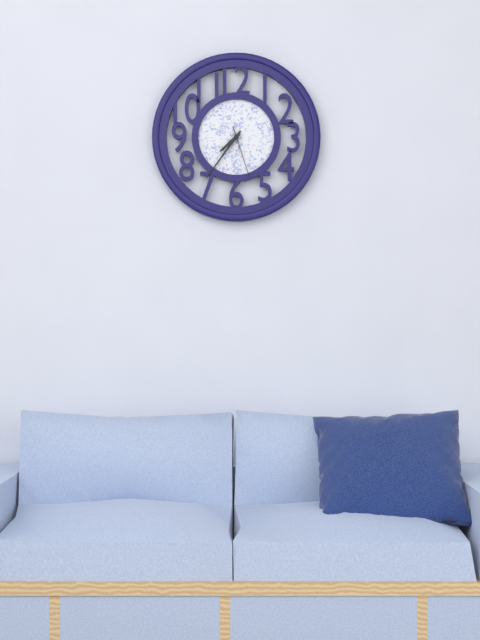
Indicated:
7.36.27
